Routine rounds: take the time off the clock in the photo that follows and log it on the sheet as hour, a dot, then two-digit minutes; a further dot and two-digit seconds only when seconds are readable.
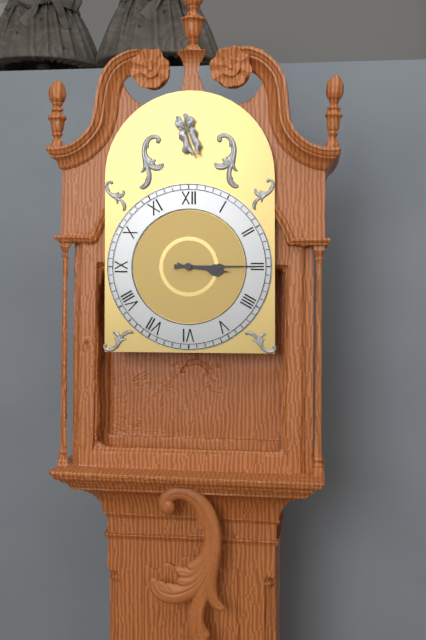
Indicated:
3.15
